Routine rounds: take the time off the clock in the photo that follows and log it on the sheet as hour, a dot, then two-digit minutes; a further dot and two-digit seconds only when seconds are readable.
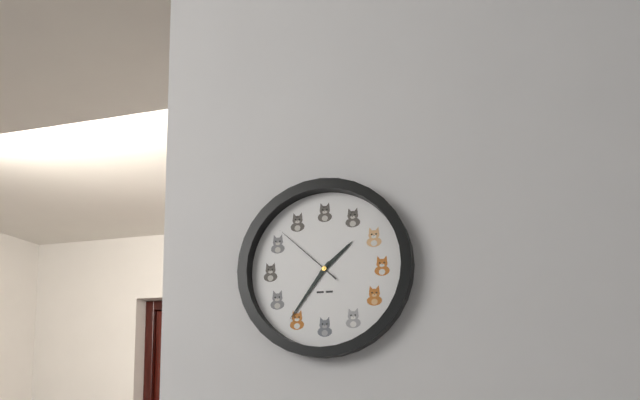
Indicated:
1.36.52
